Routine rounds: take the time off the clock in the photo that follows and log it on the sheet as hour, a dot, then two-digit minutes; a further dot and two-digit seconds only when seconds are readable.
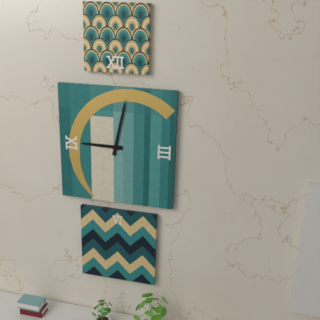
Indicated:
9.02
